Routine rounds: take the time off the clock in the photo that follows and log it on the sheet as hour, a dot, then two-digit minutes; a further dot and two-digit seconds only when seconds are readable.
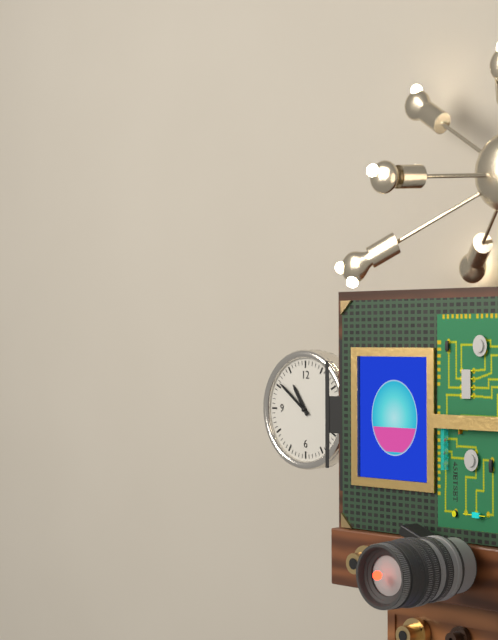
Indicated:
10.51
